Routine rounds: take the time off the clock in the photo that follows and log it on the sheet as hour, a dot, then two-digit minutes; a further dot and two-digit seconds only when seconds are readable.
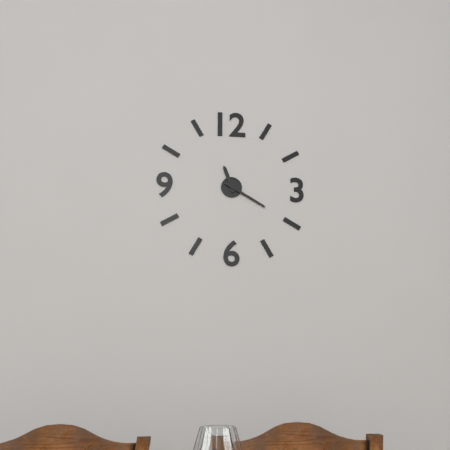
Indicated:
11.20
